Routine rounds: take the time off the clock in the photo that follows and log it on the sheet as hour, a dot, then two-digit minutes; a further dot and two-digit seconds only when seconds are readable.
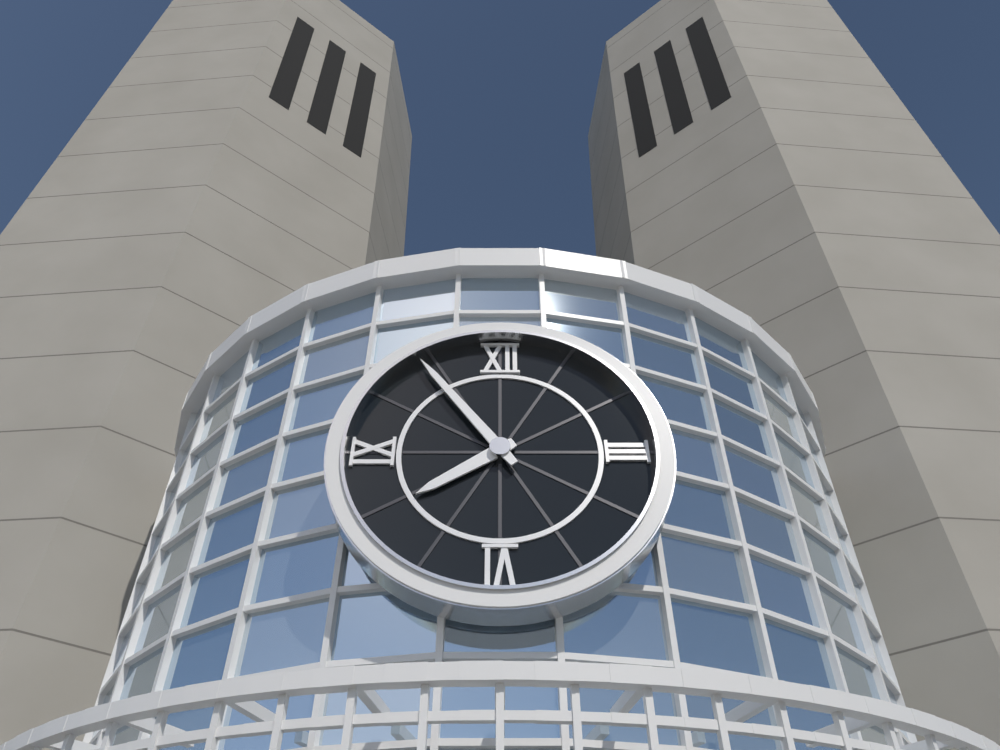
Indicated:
7.54
